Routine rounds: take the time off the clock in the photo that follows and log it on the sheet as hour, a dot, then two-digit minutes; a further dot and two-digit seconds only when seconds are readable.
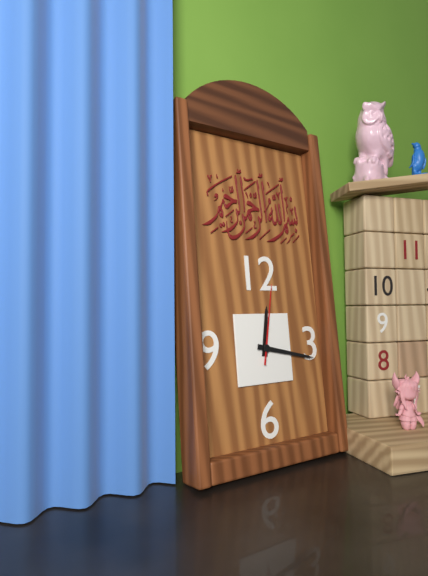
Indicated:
12.17.02
